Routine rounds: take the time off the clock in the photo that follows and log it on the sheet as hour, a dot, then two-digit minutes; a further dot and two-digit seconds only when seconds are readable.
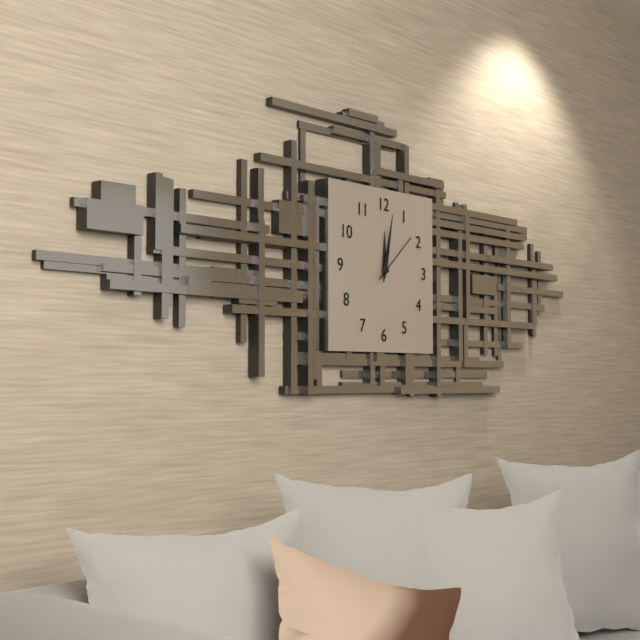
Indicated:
12.02.08
